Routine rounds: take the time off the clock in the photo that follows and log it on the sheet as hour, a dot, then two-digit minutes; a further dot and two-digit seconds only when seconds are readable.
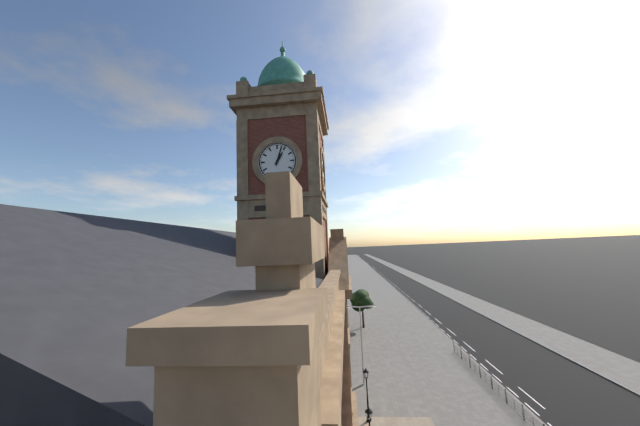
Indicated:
1.03
